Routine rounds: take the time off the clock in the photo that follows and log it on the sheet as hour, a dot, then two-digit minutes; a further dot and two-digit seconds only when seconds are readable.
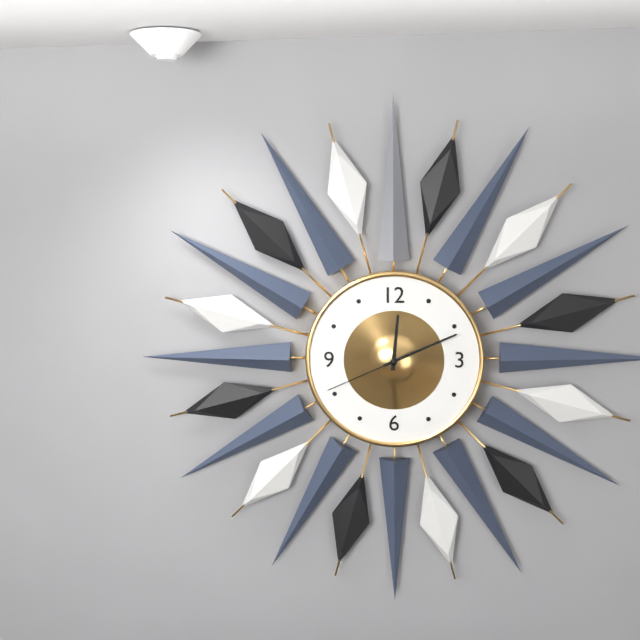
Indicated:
12.11.41
